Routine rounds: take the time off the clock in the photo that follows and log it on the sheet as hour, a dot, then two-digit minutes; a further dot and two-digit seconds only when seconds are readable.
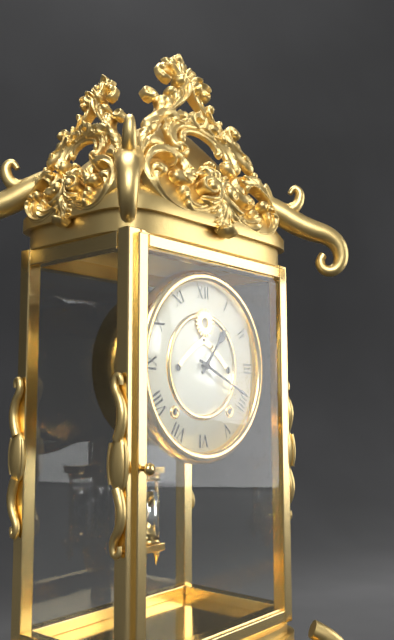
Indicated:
1.19
